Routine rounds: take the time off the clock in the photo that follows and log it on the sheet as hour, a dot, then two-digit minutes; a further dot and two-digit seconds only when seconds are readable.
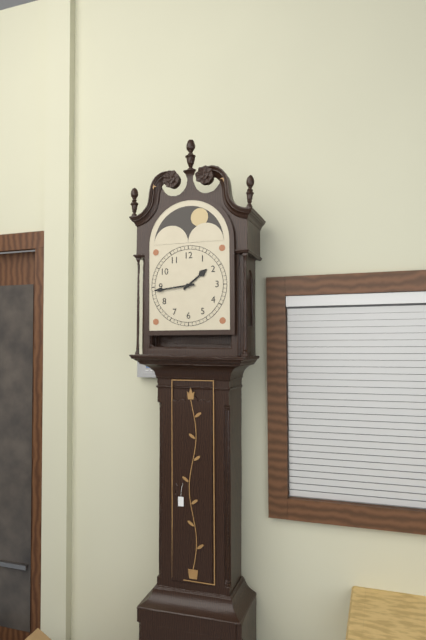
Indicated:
1.44
